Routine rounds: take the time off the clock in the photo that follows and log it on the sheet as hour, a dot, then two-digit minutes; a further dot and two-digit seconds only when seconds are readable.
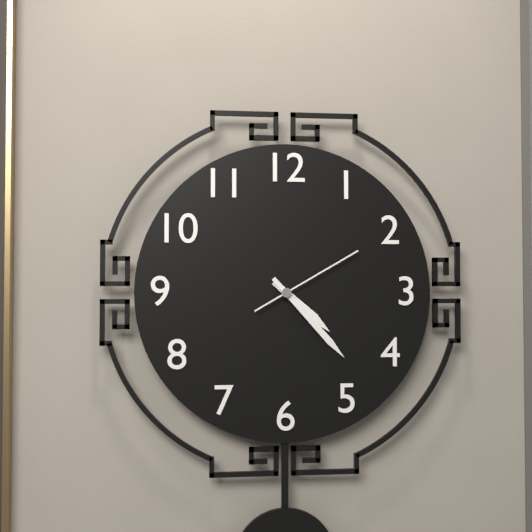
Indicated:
4.23.10
